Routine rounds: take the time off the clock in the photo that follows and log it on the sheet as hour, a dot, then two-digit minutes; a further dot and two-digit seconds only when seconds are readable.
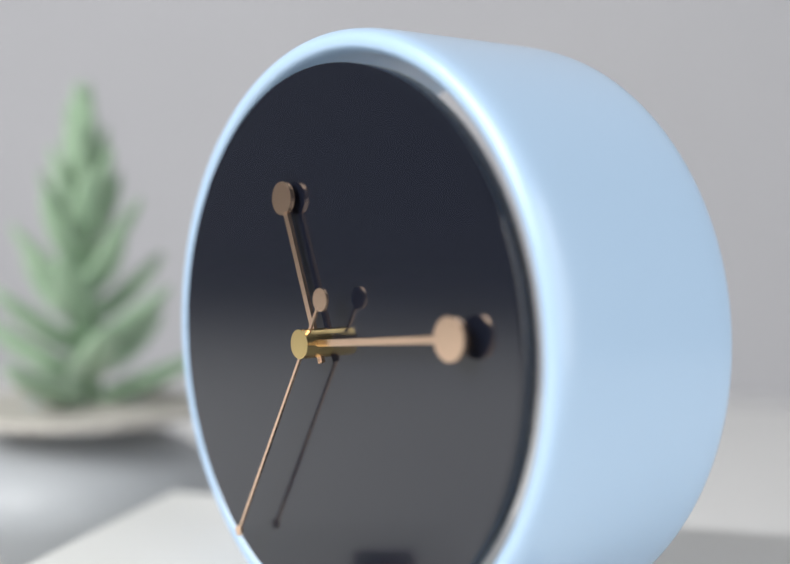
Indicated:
11.14.35
